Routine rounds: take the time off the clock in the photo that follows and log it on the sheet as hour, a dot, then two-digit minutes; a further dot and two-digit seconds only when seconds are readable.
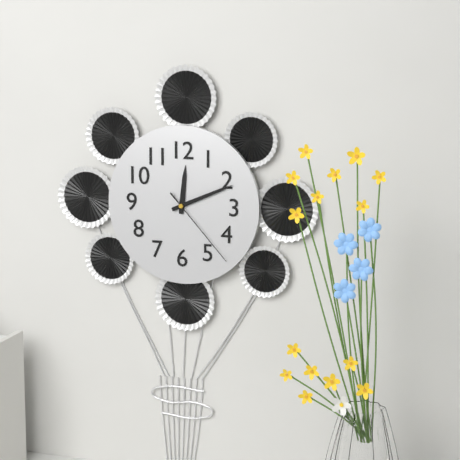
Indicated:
12.11.23
